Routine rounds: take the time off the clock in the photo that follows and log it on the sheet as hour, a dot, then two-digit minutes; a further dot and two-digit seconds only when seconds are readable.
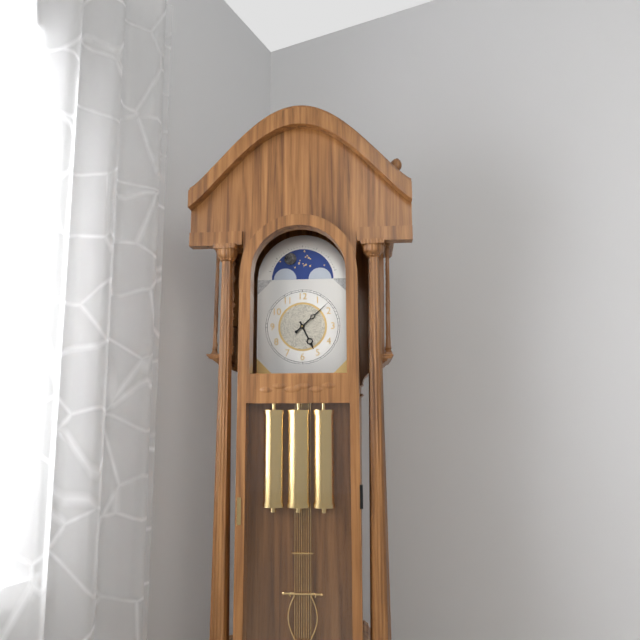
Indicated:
5.08
